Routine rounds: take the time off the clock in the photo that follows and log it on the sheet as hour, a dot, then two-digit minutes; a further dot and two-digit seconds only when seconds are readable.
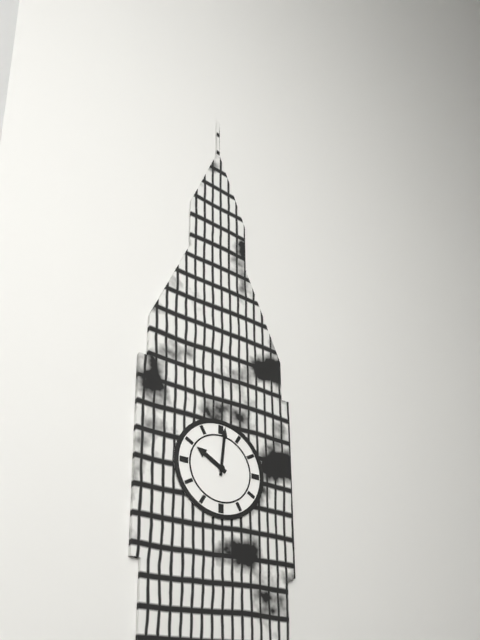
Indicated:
10.01
